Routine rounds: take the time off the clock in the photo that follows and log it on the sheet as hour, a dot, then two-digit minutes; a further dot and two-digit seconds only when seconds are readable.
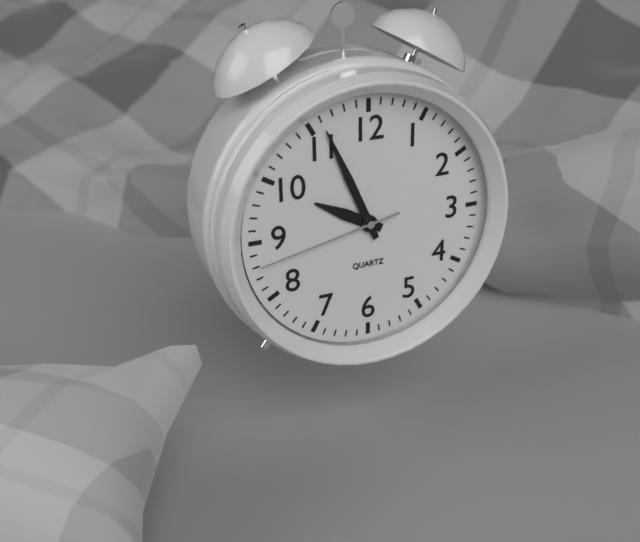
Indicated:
9.56.43
